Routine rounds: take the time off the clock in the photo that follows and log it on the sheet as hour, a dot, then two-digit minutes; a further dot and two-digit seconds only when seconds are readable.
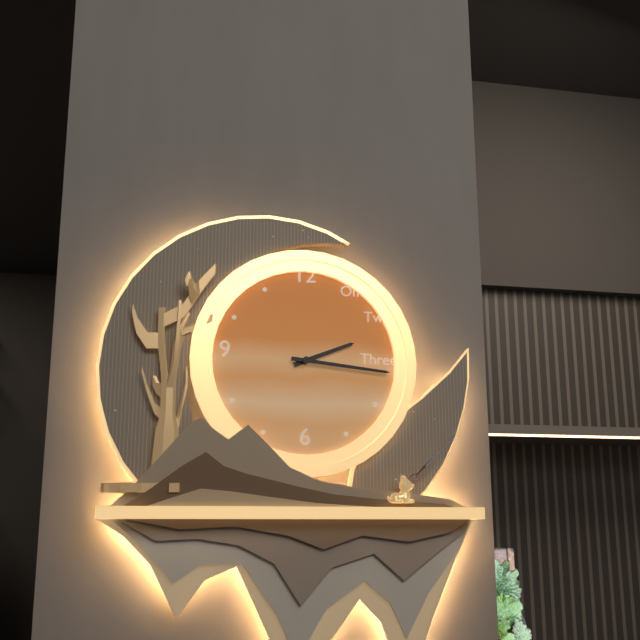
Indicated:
2.16
